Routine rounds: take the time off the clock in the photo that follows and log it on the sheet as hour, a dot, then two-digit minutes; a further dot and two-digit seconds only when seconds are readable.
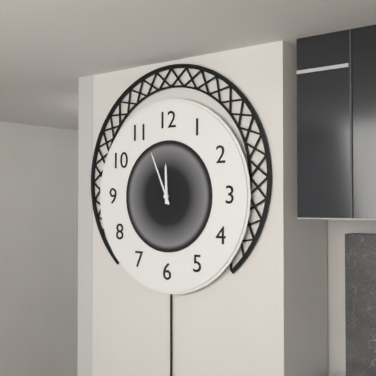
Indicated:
11.56
